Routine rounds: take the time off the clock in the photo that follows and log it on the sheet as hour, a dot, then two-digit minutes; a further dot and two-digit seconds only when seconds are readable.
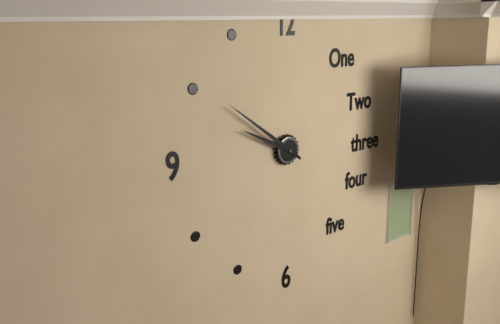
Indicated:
9.51
